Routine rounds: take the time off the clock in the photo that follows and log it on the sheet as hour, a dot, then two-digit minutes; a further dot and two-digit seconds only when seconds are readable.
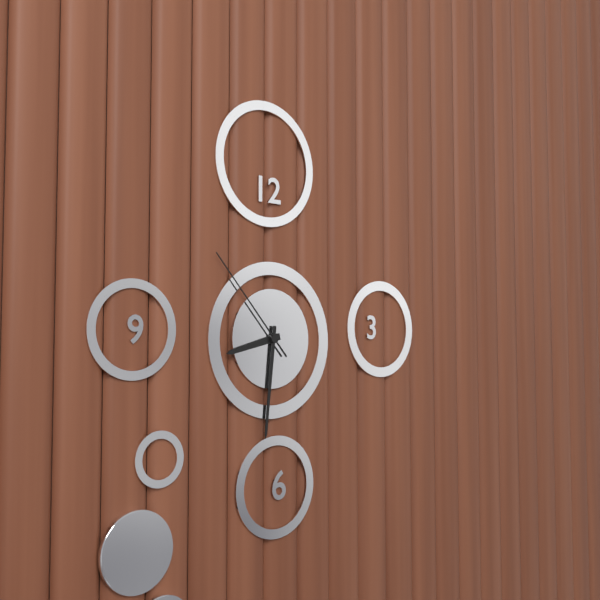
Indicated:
8.31.53
